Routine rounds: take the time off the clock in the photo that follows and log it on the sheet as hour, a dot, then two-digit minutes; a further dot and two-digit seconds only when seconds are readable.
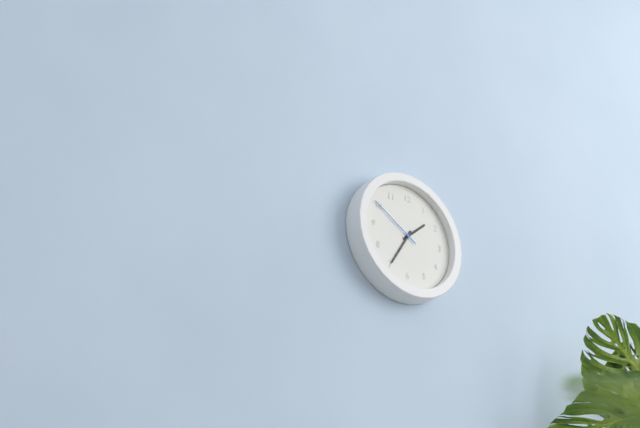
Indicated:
1.35.50
